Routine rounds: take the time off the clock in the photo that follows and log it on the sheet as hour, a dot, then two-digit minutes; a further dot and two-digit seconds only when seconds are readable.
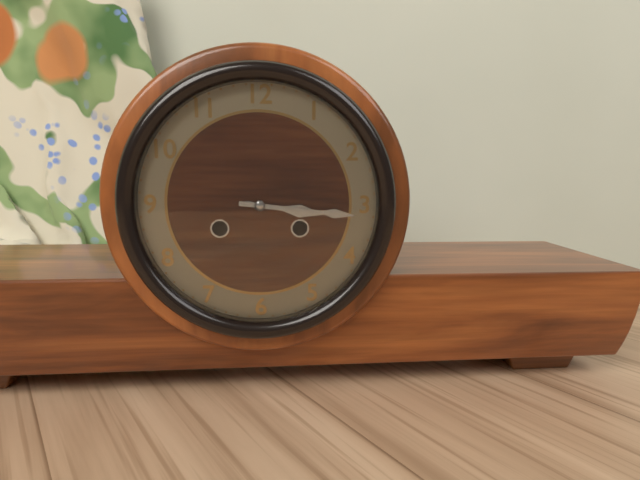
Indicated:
3.16
